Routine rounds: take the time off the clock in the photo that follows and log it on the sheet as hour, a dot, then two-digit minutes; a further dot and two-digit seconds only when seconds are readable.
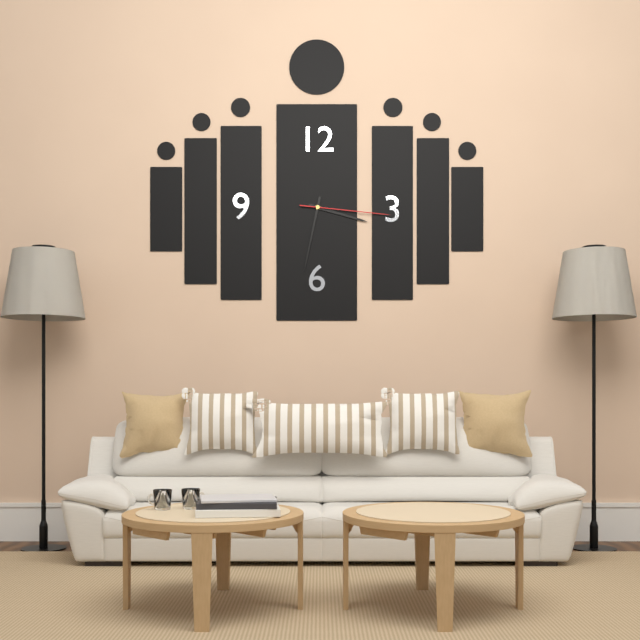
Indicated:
3.32.16
